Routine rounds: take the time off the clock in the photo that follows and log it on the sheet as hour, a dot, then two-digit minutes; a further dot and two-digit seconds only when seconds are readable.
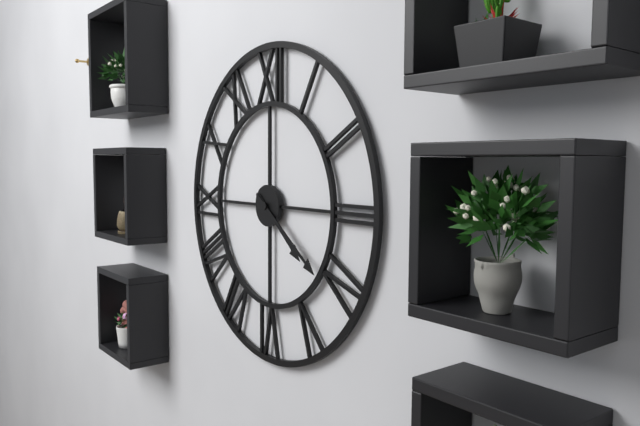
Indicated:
4.21
